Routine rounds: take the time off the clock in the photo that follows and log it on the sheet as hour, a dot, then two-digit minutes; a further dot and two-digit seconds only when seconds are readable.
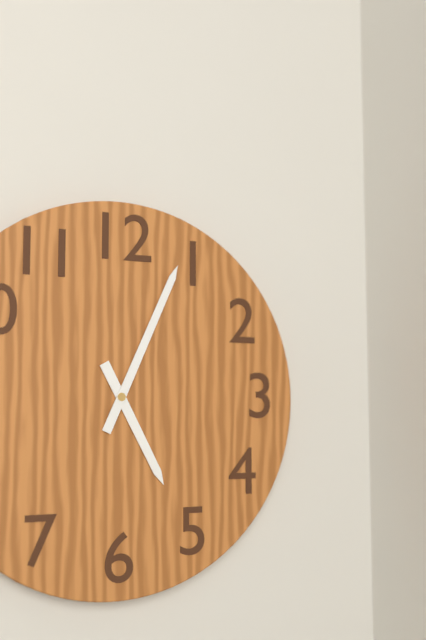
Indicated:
5.04
